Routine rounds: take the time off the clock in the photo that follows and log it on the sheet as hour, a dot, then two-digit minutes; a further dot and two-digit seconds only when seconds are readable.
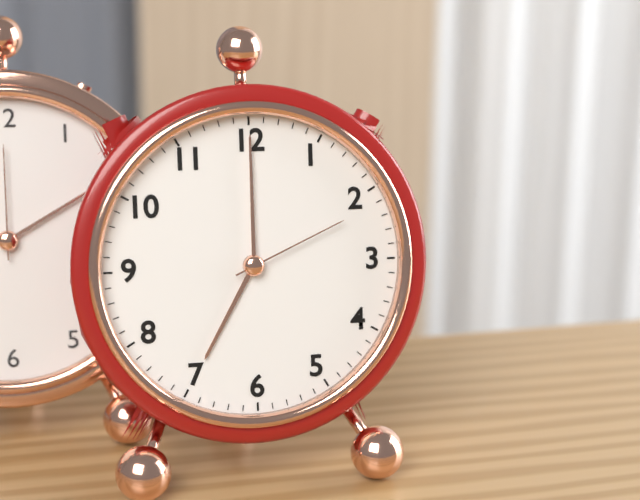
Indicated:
7.00.11
